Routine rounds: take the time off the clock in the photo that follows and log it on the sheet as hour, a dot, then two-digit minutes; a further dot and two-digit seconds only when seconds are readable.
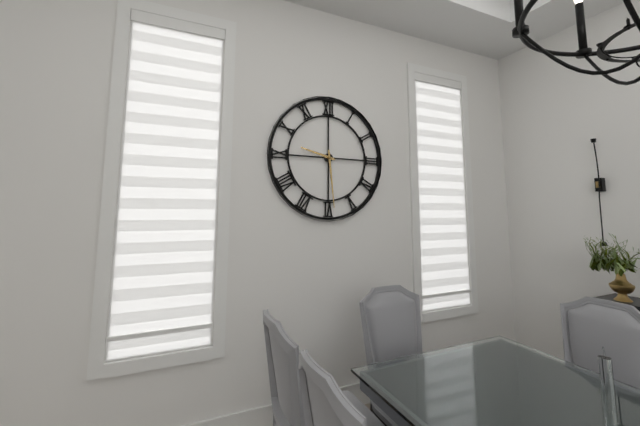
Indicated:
9.29
